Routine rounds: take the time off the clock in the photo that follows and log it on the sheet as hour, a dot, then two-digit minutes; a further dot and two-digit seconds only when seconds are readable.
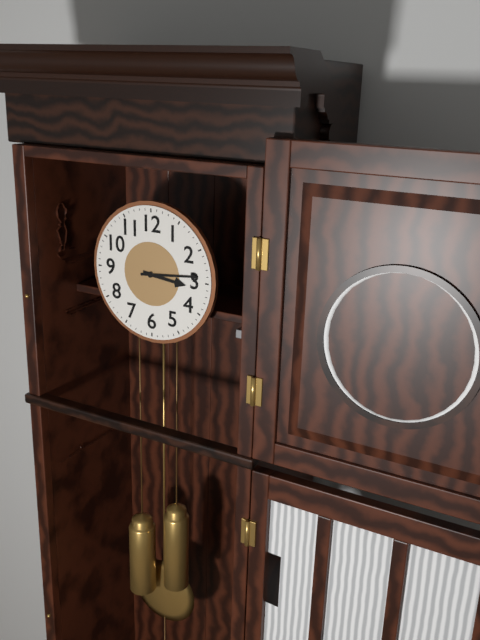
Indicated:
3.14
